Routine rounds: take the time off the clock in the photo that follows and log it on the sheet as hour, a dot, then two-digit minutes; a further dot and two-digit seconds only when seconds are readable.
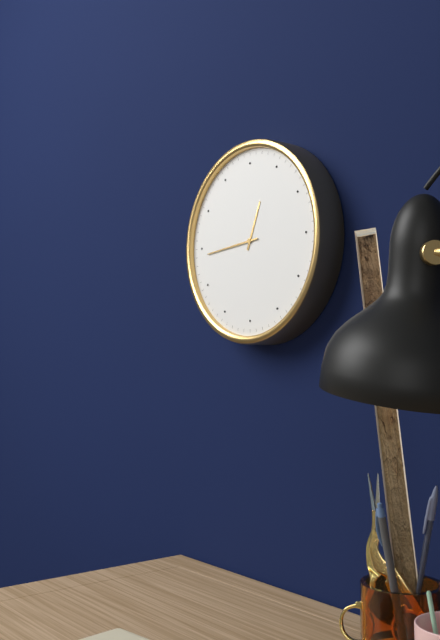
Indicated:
12.44
